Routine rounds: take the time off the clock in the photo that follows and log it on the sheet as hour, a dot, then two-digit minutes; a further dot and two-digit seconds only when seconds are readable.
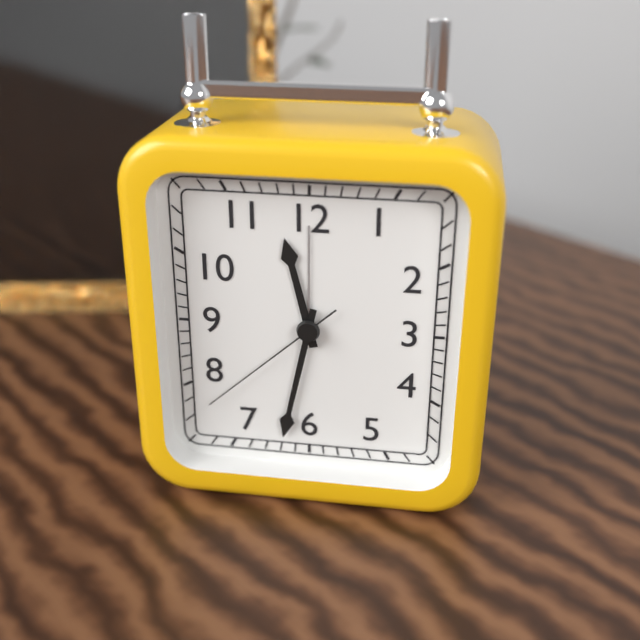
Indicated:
11.32.38
